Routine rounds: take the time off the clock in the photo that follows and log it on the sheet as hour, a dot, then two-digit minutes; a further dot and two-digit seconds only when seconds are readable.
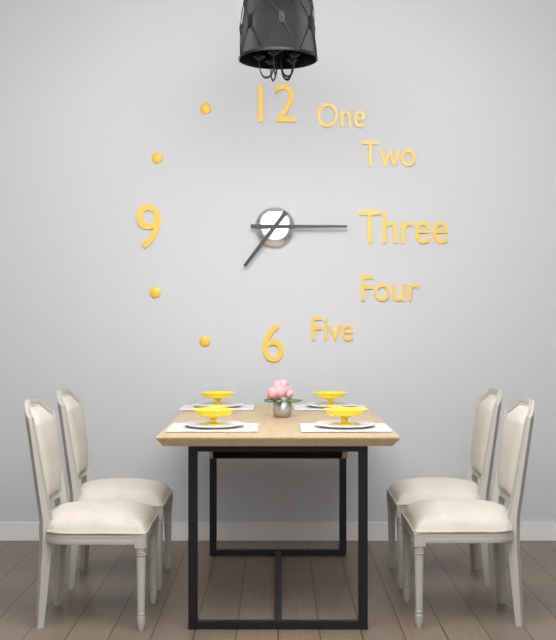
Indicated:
7.15
